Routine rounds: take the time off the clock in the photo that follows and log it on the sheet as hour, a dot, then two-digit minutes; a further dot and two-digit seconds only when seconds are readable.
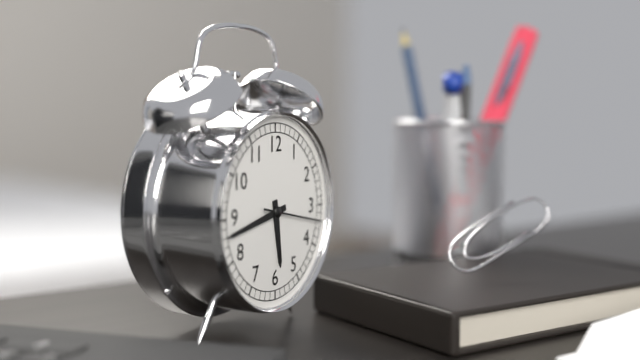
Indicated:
5.43.17
